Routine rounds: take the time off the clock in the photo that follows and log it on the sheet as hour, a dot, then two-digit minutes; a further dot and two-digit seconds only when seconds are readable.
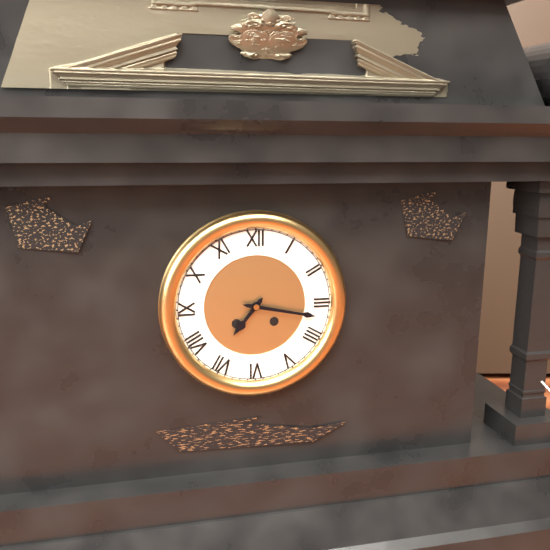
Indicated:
7.17
